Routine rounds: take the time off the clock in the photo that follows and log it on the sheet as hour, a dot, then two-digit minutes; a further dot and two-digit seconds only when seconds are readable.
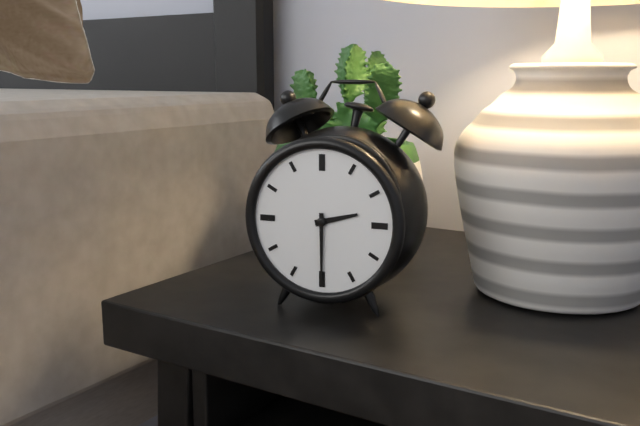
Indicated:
2.30
